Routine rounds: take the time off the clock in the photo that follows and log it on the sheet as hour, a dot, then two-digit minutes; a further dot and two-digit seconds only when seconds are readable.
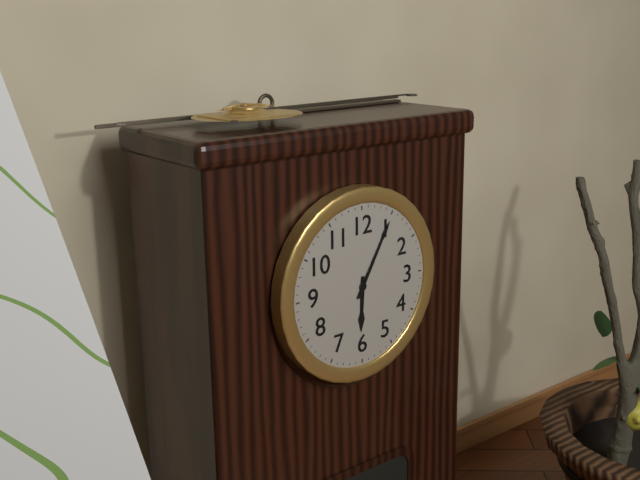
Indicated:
6.05
